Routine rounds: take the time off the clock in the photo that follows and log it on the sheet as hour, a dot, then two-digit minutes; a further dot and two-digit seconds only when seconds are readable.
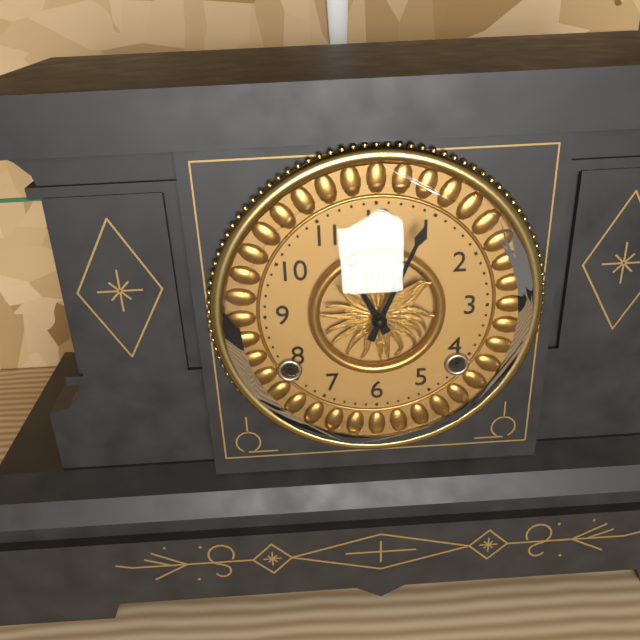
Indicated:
11.04
